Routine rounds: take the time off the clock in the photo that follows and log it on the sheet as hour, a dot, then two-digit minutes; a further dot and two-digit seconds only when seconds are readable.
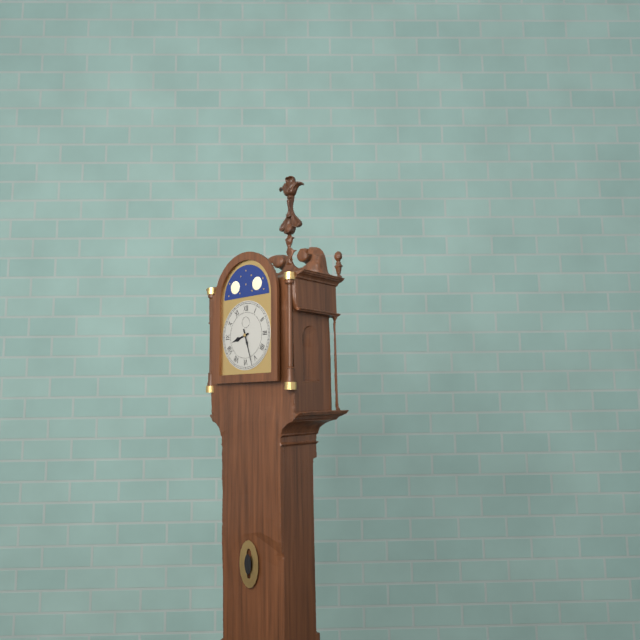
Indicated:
8.27
